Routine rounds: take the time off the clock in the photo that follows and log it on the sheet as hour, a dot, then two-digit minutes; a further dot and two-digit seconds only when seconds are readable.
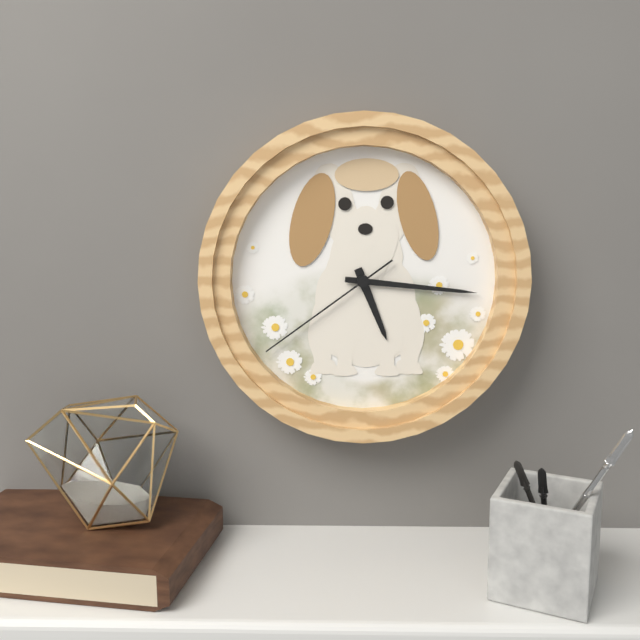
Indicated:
5.16.39
